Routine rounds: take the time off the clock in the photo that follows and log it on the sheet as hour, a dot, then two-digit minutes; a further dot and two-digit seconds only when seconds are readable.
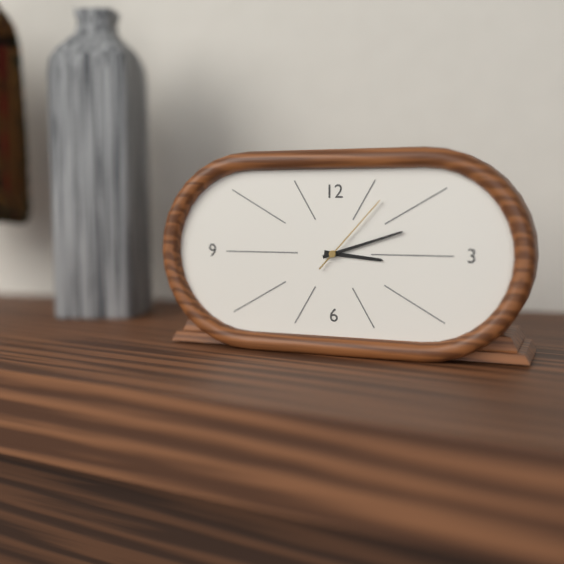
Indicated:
3.12.07
